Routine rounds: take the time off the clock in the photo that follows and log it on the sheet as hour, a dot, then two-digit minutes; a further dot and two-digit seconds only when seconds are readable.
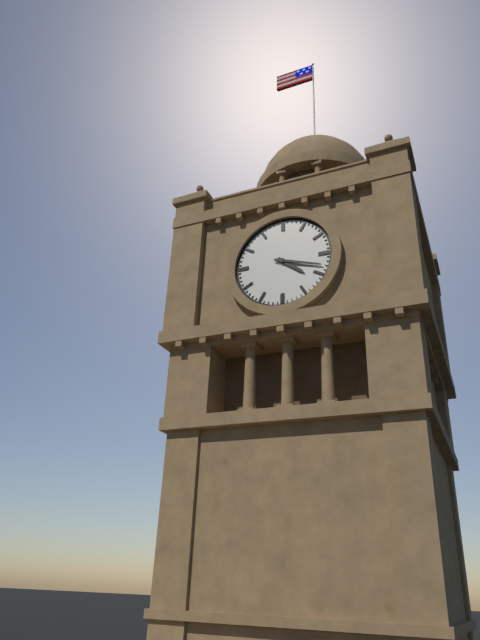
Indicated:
4.18
